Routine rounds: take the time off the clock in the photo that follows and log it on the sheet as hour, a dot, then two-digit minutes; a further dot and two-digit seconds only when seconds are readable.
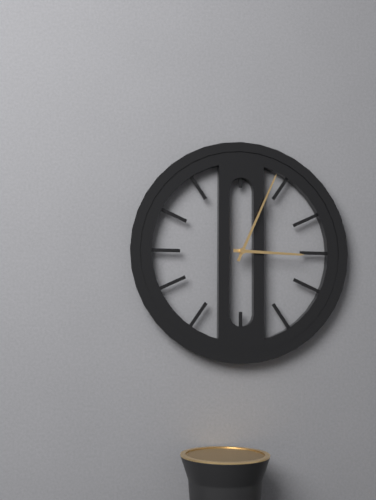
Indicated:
3.04
